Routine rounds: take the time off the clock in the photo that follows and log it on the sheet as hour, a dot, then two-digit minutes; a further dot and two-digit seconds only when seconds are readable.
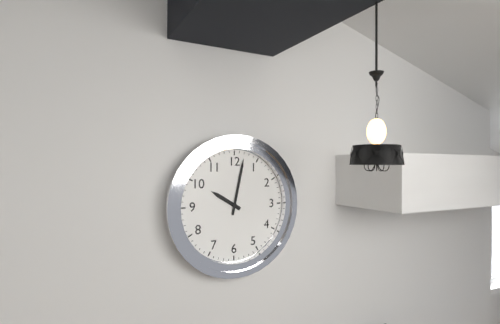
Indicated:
10.02
